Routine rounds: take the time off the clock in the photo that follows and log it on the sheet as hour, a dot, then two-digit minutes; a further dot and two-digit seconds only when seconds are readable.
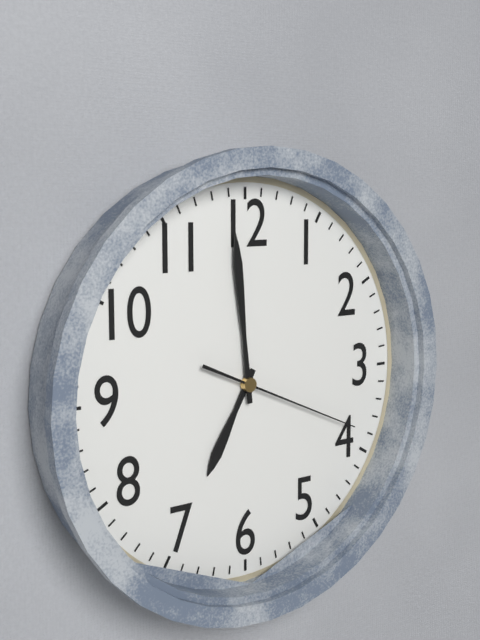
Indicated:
6.59.19
